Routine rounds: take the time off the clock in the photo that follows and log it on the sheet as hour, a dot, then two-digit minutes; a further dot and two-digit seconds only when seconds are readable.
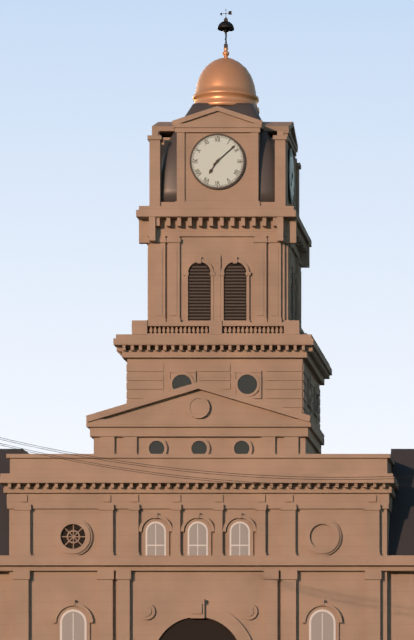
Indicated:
7.08
